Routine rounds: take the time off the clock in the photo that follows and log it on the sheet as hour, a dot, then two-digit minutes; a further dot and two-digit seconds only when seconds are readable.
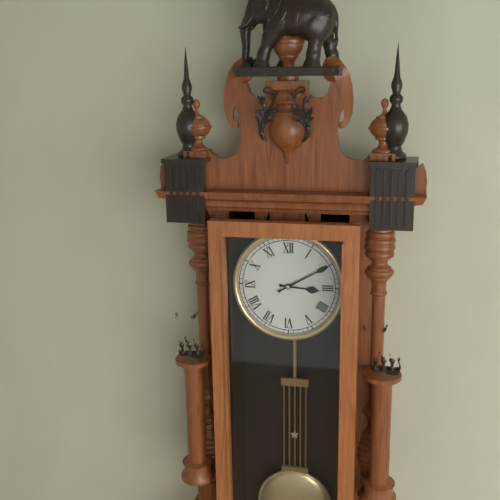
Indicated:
3.10
